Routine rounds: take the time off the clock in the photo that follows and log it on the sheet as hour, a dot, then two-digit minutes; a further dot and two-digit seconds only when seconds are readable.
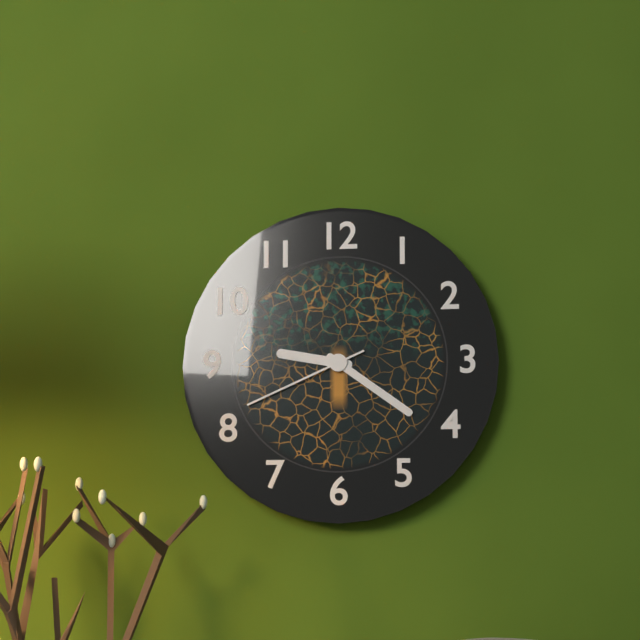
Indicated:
9.21.41
